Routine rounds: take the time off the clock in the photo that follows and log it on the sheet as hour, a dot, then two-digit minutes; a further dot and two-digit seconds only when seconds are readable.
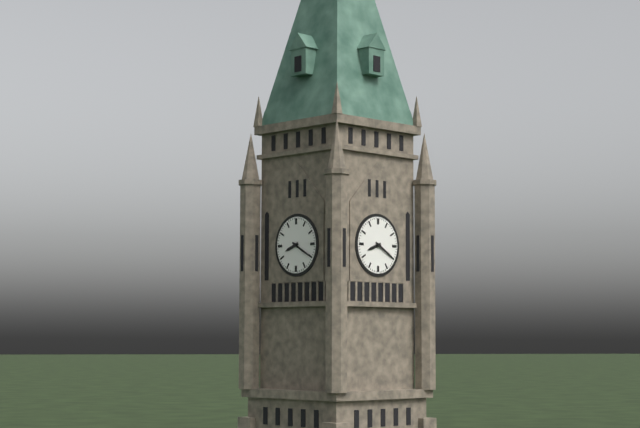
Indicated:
8.20
